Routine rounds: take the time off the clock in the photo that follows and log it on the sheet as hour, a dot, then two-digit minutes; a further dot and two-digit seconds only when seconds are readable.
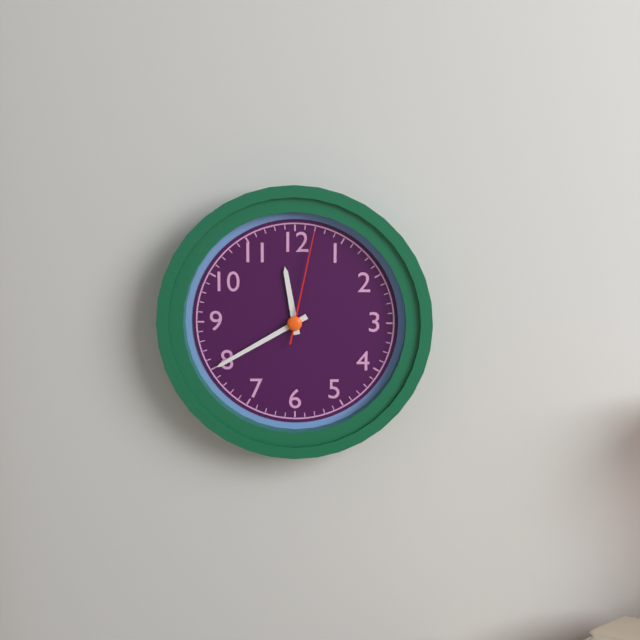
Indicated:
11.40.02
